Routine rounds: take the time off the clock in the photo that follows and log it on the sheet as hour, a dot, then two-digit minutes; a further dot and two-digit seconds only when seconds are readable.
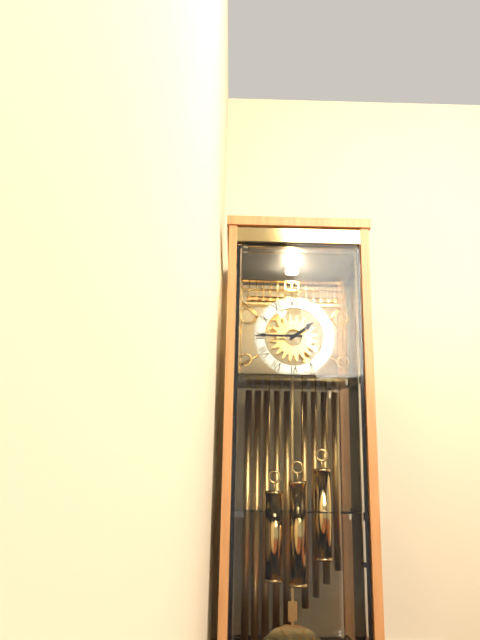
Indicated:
1.45
